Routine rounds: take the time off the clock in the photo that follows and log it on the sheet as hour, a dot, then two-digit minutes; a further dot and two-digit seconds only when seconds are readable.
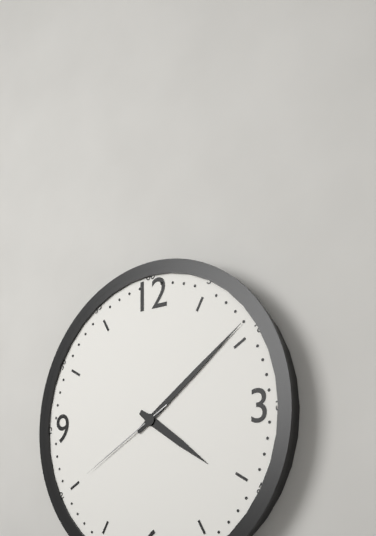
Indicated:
4.09.40
